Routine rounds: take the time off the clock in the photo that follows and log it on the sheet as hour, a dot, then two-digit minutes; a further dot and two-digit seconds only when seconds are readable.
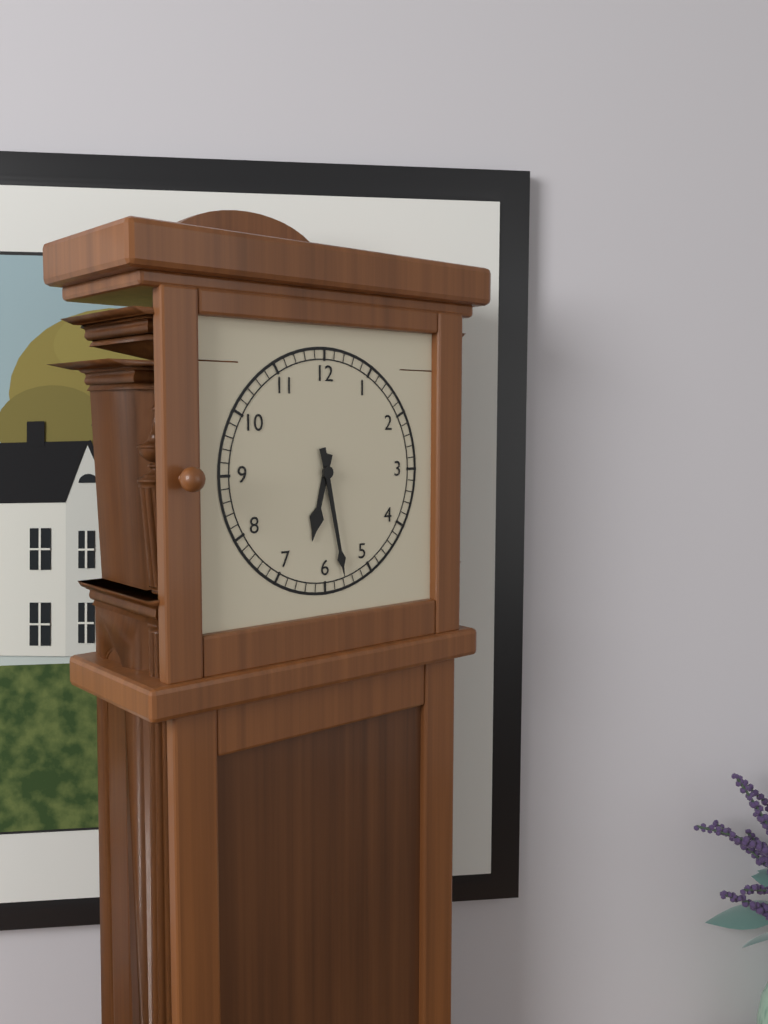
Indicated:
6.28
